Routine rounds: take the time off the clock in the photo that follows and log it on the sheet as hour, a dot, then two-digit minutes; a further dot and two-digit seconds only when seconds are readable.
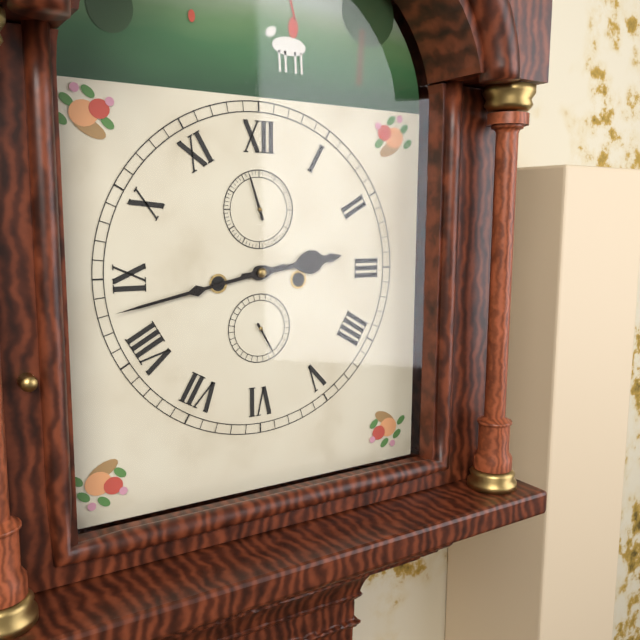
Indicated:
2.43
